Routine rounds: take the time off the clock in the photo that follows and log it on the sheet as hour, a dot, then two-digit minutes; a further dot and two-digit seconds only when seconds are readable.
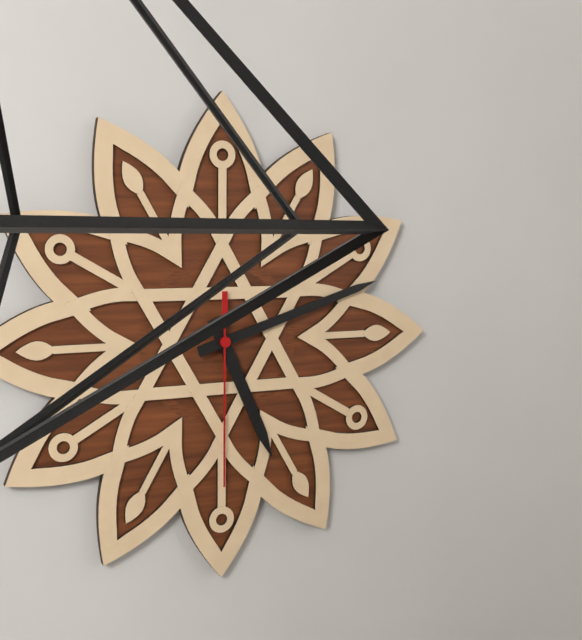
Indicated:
5.12.30
